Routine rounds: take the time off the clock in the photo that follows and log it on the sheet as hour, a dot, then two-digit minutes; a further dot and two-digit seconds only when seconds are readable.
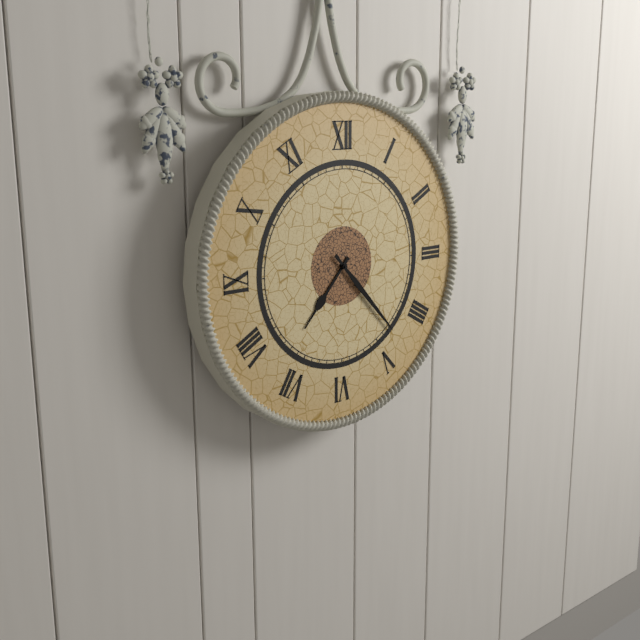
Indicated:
7.23
